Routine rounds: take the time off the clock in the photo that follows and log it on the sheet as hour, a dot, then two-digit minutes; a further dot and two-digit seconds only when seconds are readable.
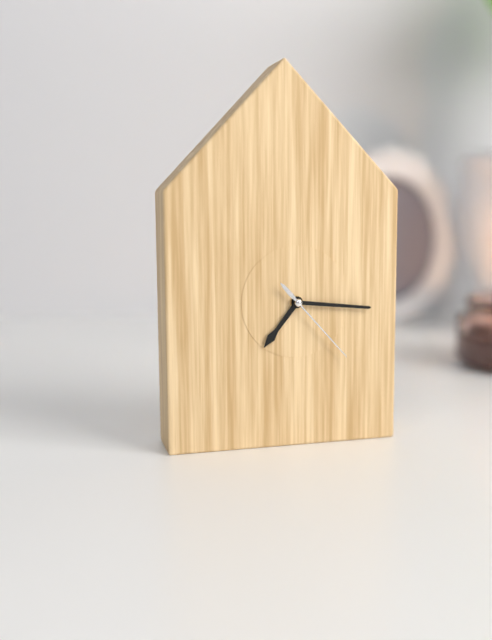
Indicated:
7.16.23
